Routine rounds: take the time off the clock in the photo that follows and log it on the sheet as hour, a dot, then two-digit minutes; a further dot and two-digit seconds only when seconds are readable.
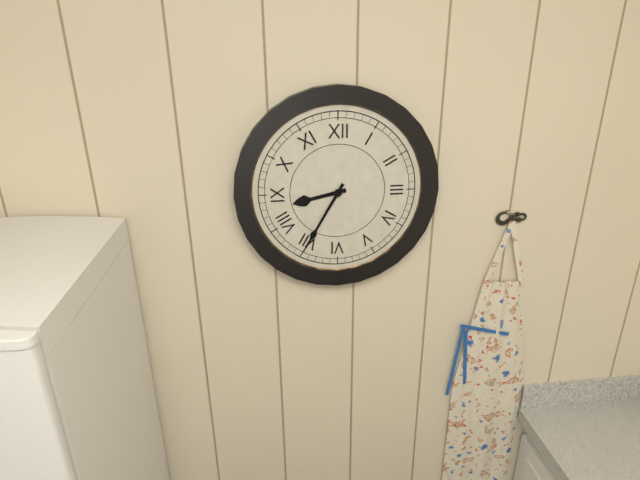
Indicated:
8.35
